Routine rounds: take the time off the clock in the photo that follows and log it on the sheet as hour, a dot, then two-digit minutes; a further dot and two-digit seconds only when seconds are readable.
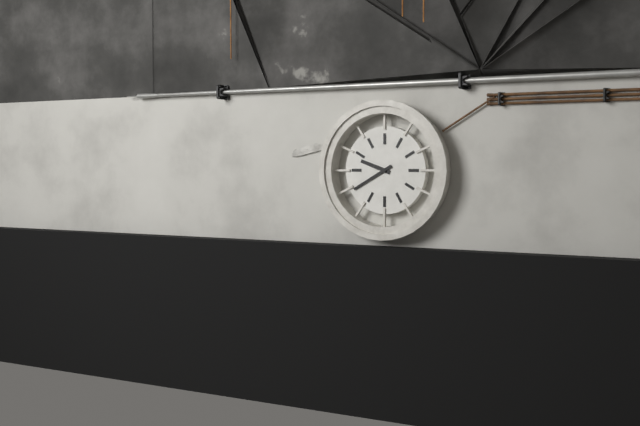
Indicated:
9.40
